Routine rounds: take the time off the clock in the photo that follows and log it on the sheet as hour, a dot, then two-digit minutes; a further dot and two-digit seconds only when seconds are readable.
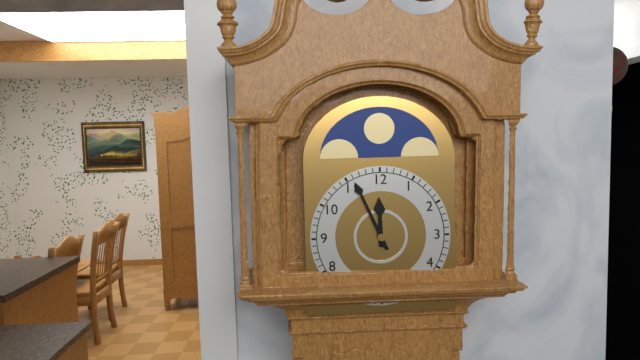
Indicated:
11.56
